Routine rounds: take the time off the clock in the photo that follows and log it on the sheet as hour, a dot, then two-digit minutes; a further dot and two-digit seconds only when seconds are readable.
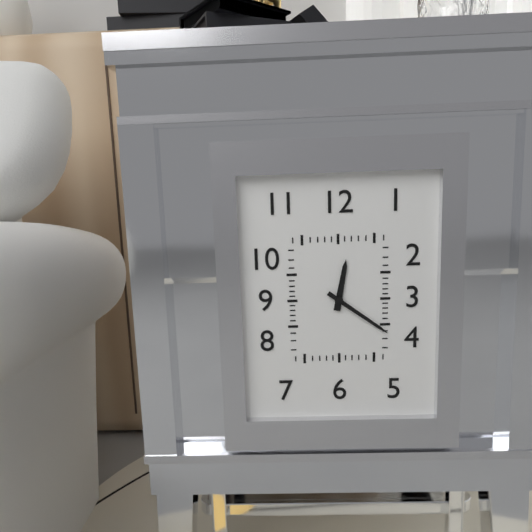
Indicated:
12.21
